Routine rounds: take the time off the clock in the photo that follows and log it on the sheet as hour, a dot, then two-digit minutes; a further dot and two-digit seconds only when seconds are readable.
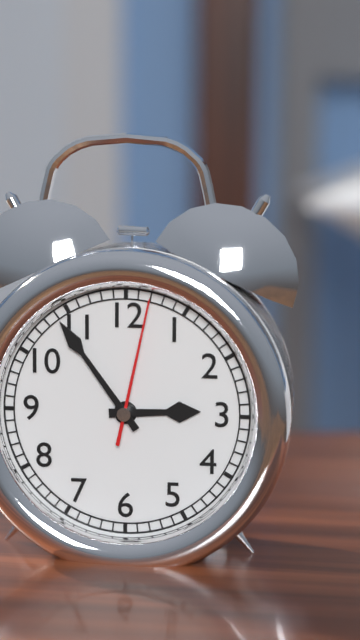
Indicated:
2.54.02
